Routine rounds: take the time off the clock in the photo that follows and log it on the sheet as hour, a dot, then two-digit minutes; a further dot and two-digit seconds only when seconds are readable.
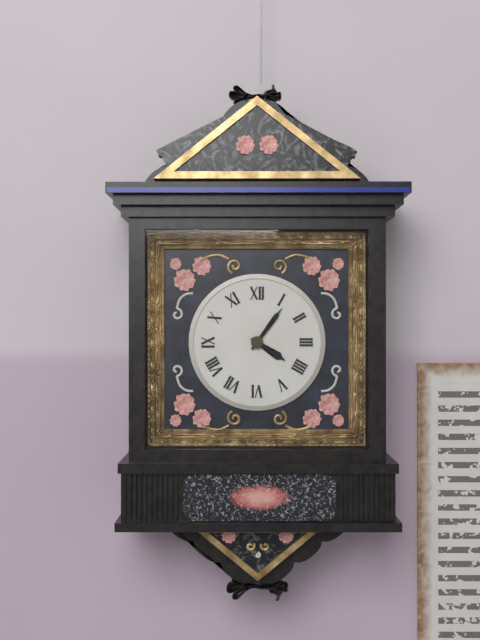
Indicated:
4.06
